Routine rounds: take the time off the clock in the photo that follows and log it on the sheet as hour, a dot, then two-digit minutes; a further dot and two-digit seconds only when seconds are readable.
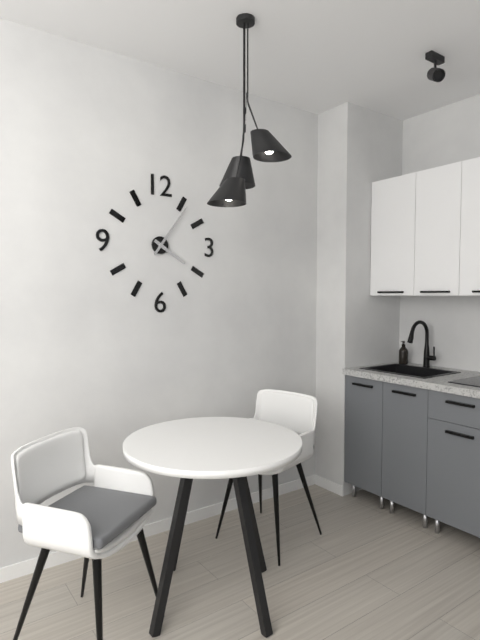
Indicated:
4.06
